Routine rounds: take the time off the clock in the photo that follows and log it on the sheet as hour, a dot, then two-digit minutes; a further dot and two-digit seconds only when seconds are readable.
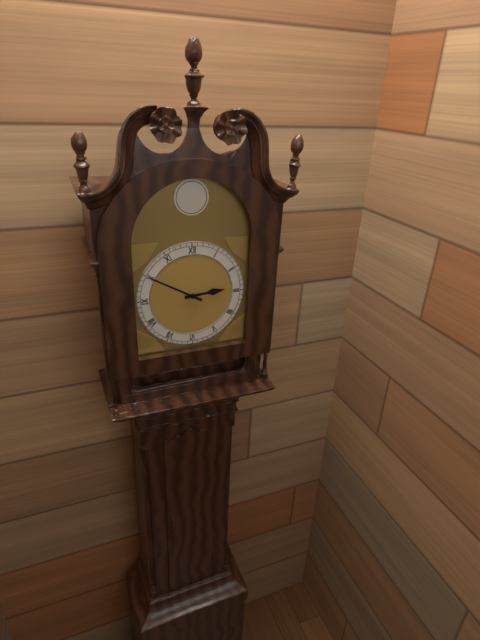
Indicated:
2.50
